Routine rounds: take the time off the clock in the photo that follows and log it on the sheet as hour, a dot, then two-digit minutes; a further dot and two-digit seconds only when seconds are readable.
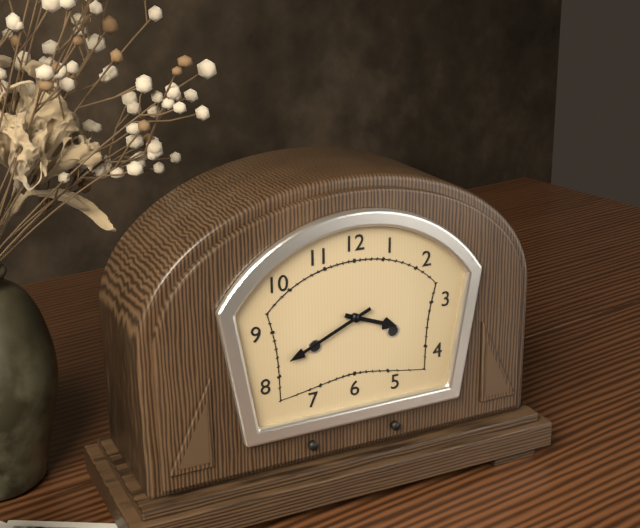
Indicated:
3.41
